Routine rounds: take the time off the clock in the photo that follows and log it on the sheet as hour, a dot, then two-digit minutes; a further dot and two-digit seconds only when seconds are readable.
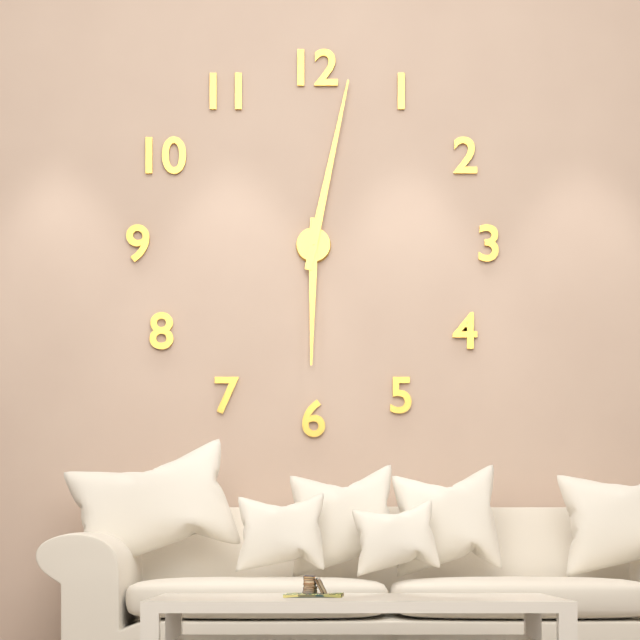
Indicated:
6.02
